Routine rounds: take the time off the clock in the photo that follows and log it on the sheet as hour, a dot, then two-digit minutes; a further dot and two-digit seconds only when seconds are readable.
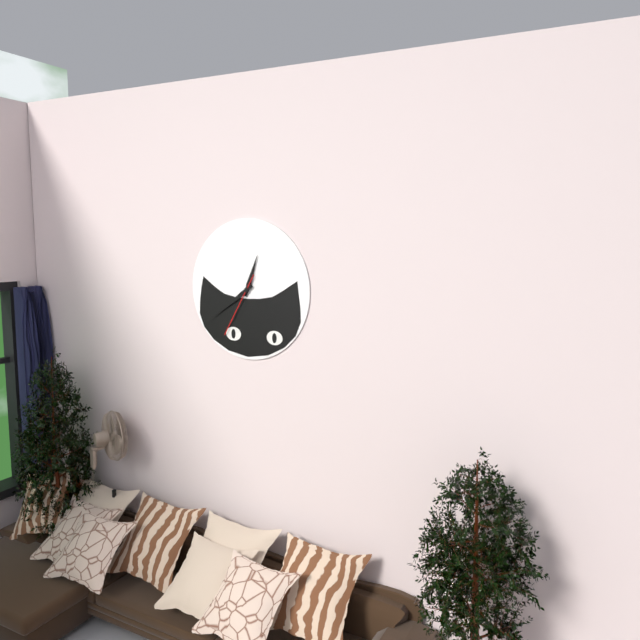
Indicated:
12.39.35
